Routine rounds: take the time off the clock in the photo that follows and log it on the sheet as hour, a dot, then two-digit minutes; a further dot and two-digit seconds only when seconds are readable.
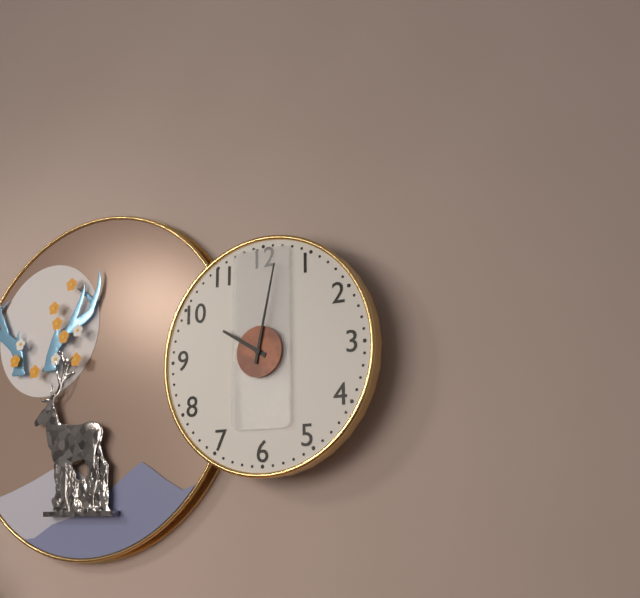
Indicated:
10.02
